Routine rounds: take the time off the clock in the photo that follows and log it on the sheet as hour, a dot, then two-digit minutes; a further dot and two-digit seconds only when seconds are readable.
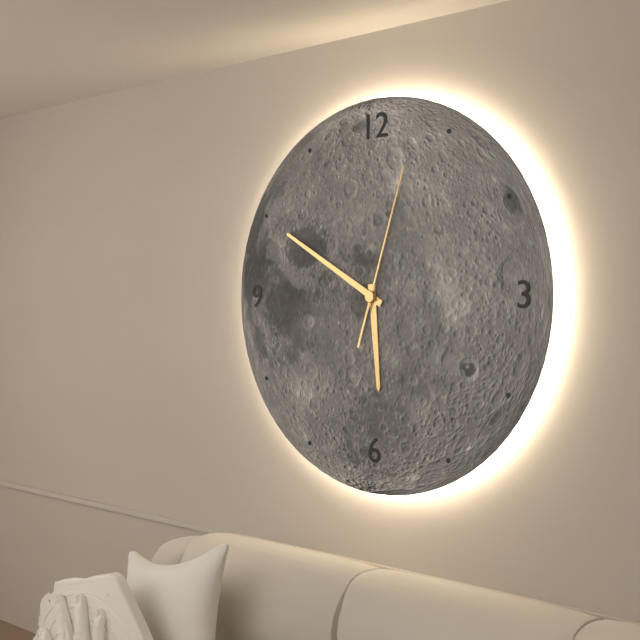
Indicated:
5.50.03
